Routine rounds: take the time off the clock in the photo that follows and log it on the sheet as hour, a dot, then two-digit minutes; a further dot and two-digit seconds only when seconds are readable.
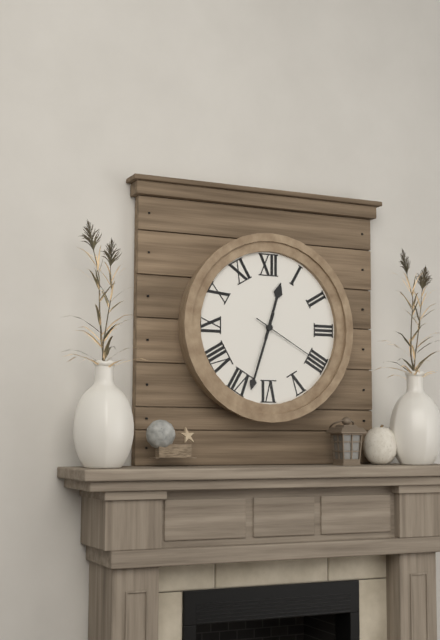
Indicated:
12.33.20
